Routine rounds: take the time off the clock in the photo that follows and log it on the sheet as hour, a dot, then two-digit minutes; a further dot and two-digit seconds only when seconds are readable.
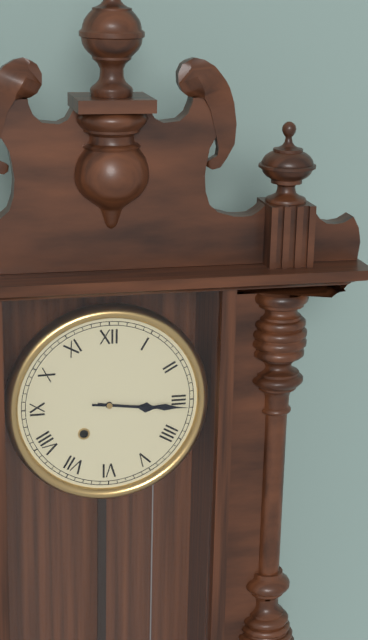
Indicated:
3.16
